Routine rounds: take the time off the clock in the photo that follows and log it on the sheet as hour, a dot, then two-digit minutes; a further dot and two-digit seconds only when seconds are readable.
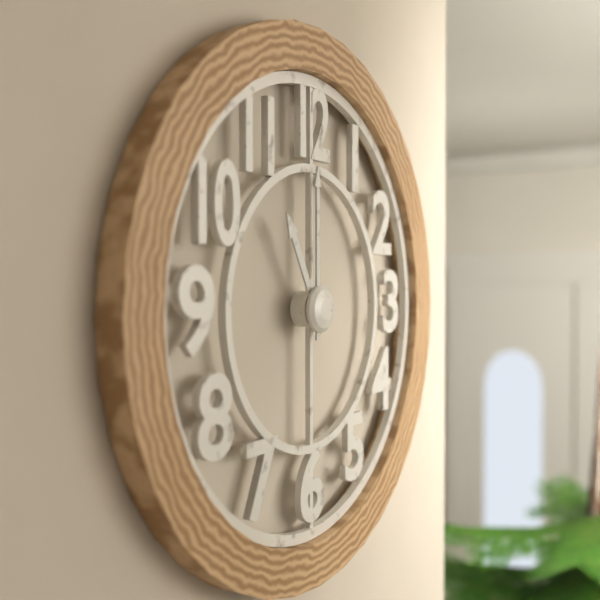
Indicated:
11.00
